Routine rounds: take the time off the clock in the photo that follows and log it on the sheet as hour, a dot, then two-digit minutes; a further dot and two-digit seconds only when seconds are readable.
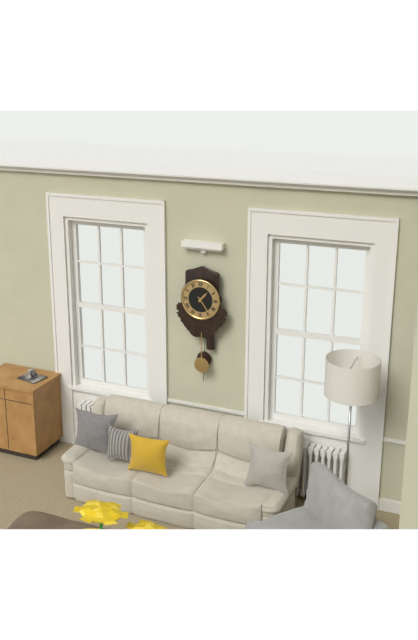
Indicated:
1.24
